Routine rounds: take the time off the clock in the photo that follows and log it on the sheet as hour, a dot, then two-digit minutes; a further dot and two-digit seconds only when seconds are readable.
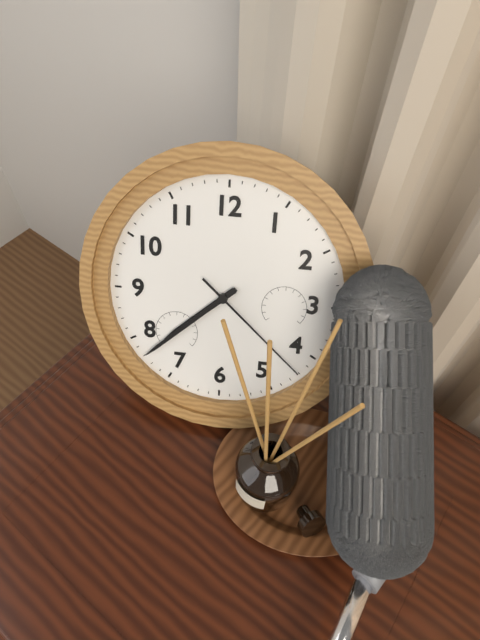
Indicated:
7.38.22
